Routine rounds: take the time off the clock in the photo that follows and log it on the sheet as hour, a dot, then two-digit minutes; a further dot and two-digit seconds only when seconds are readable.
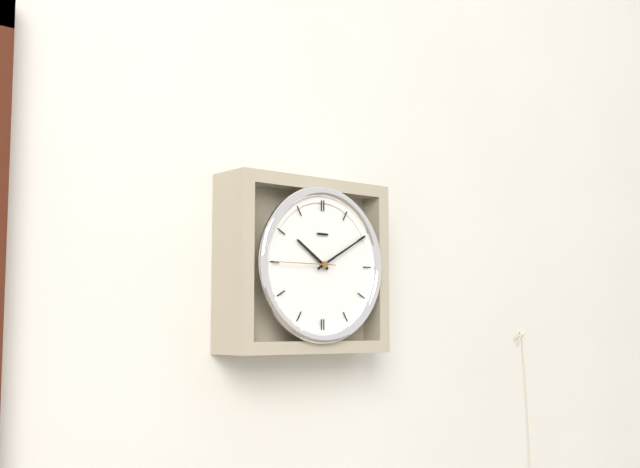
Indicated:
10.10.45
